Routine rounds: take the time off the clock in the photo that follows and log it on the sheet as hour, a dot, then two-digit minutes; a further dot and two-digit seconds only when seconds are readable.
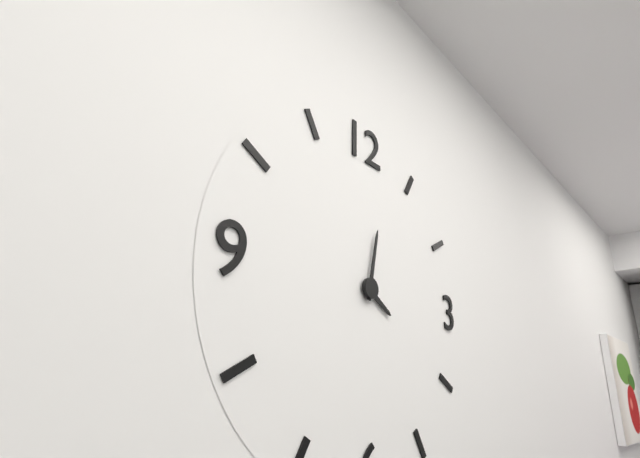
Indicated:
4.02
